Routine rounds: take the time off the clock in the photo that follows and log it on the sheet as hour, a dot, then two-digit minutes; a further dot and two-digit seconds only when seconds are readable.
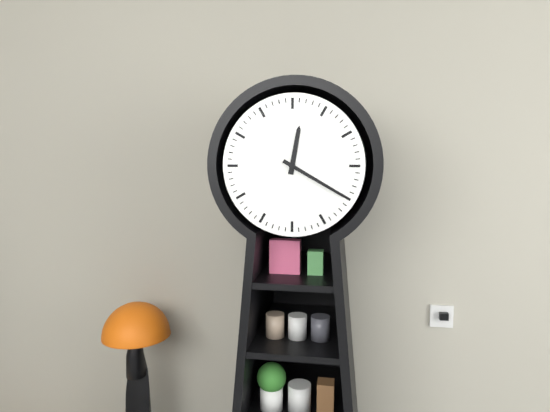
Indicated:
12.20
